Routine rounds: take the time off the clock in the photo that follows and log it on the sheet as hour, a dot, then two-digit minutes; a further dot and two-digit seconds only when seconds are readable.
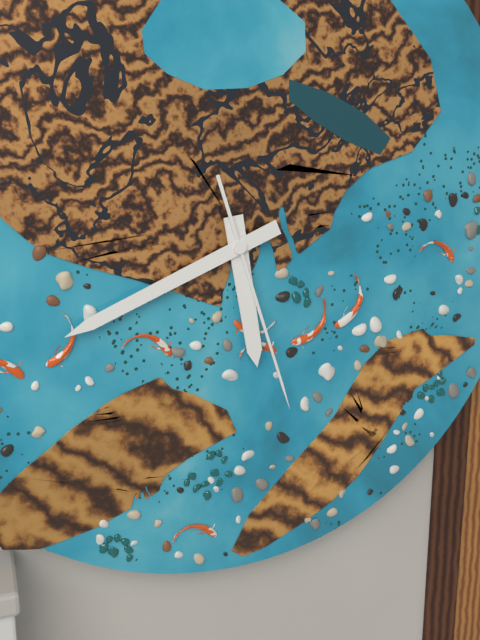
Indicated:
5.41.27
